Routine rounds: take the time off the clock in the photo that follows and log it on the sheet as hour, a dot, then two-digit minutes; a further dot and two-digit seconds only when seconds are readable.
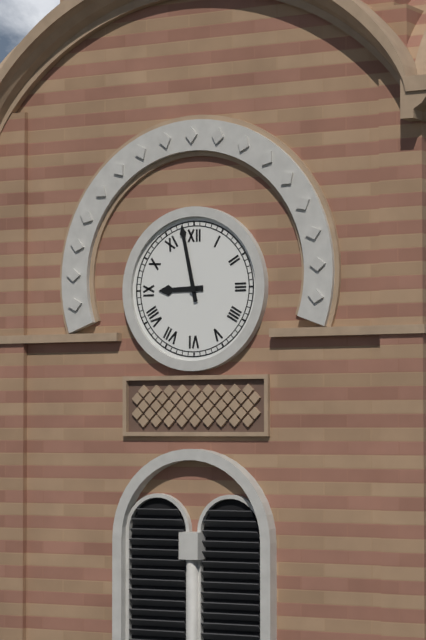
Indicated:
8.58
